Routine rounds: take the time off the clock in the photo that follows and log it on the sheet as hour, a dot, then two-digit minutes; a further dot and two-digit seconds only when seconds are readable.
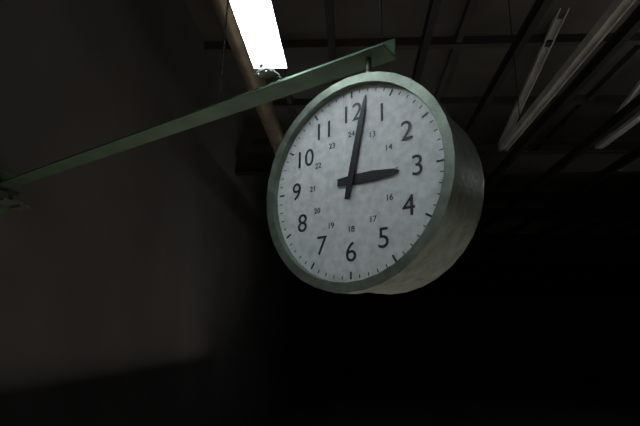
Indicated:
3.02
